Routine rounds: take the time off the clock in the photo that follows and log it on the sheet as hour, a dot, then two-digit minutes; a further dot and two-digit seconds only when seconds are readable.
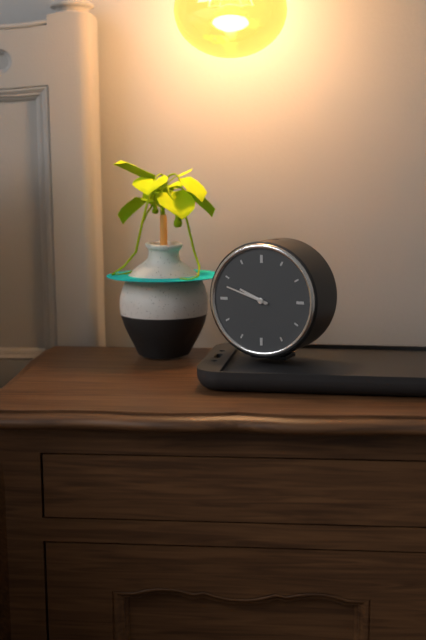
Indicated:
9.48
